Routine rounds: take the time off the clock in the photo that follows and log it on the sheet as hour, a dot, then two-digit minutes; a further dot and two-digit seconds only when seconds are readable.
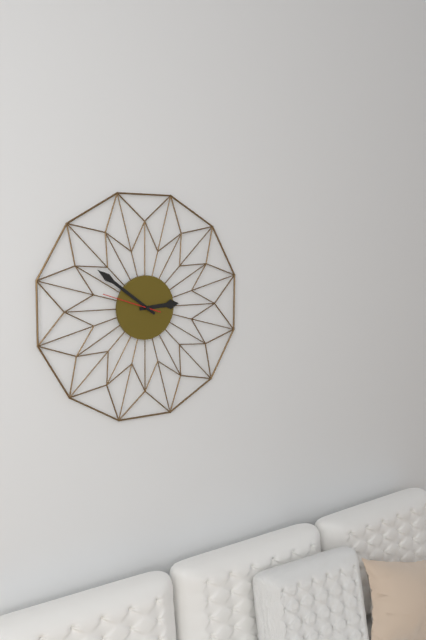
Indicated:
2.51.48
